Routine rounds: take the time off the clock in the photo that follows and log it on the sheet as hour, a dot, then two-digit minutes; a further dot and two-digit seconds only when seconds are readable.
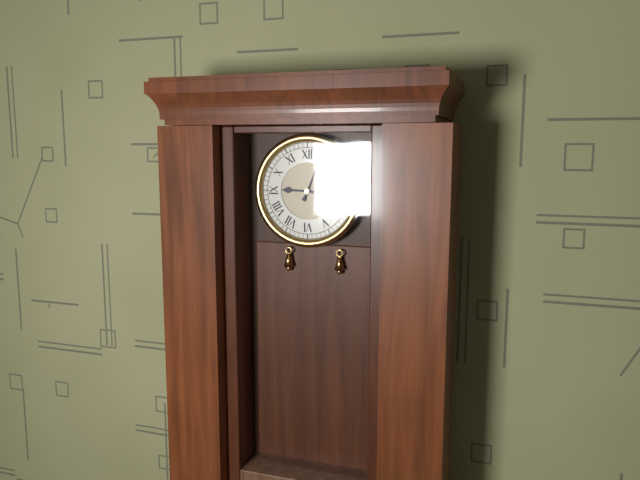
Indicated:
9.04
